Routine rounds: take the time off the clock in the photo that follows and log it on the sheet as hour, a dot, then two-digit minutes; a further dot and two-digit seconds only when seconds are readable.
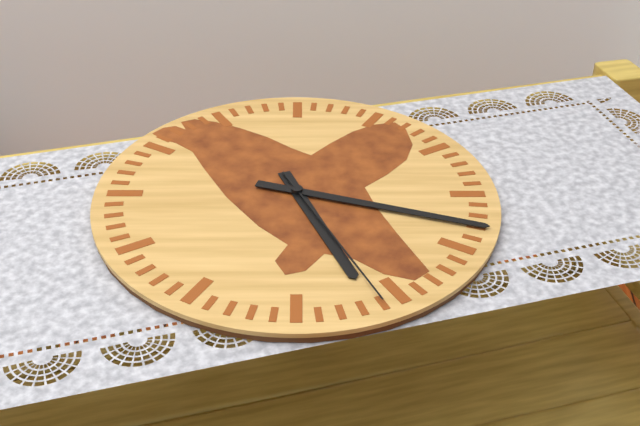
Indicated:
5.18.26
